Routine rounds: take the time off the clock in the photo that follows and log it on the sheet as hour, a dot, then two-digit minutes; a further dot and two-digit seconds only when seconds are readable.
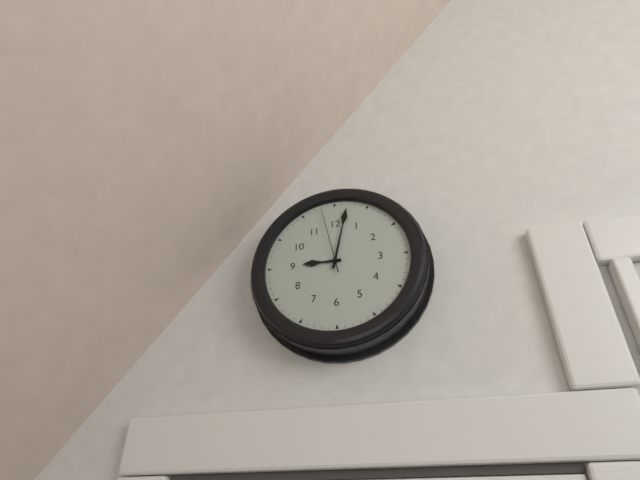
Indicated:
9.02.58
